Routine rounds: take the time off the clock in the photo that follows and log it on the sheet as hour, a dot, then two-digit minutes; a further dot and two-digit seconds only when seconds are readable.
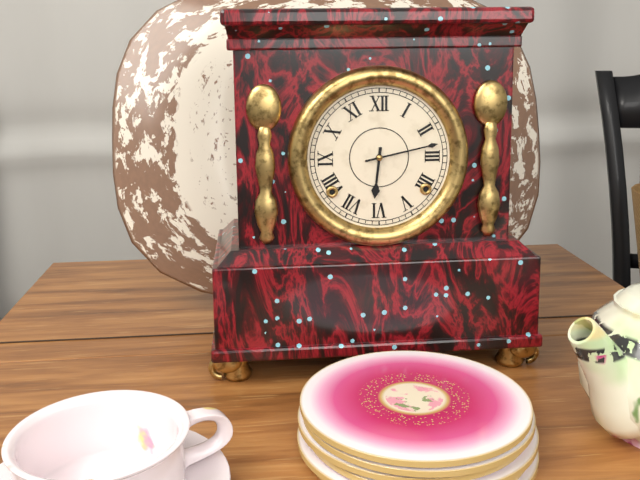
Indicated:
6.13
